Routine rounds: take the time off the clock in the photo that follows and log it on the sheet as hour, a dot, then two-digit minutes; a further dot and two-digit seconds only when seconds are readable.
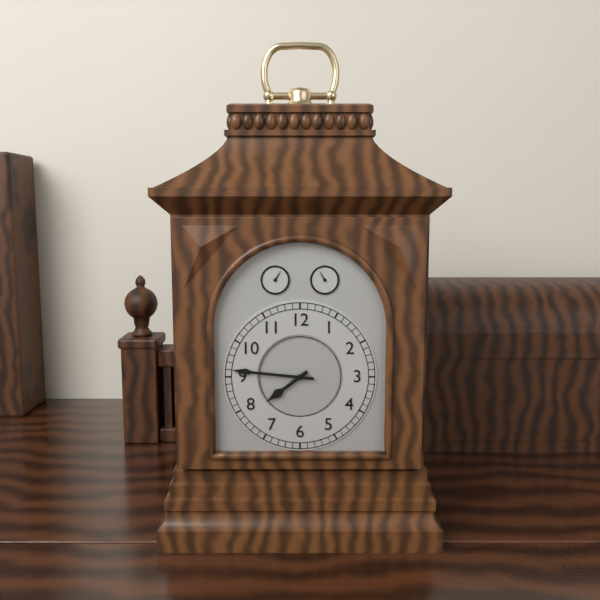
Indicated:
7.46
